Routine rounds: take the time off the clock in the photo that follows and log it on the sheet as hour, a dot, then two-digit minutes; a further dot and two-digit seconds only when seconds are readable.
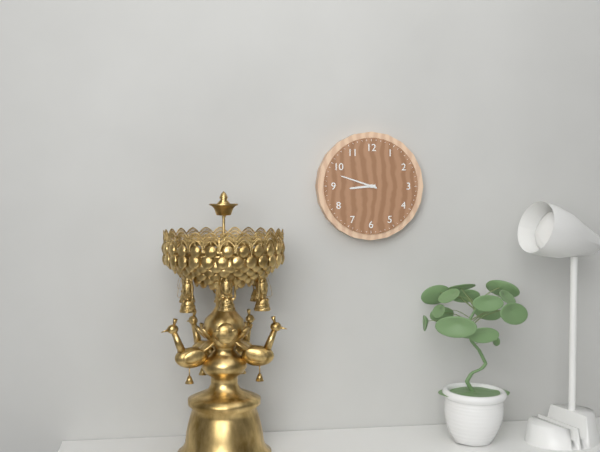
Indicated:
8.48
